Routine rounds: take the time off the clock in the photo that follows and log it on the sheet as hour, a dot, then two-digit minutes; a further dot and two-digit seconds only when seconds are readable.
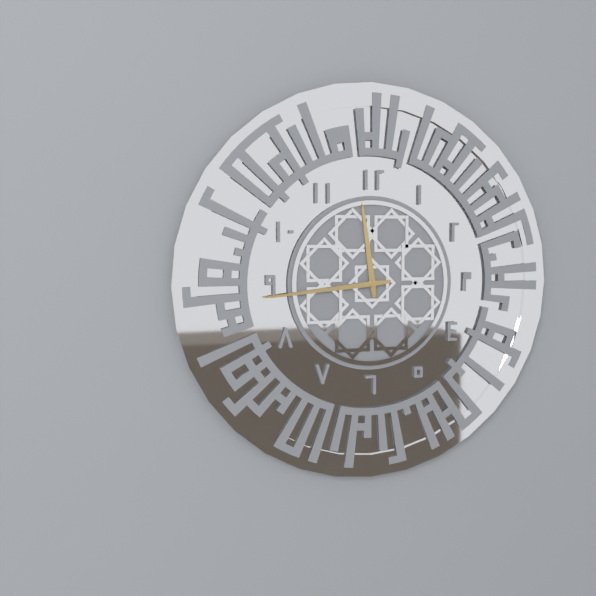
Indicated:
11.44
